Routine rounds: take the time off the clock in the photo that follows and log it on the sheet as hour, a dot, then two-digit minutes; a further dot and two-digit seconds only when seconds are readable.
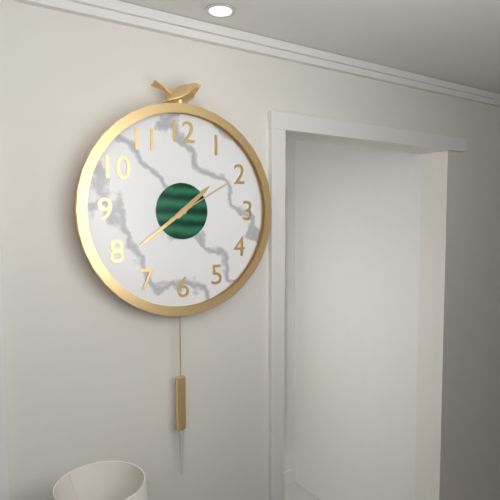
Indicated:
1.39.10
